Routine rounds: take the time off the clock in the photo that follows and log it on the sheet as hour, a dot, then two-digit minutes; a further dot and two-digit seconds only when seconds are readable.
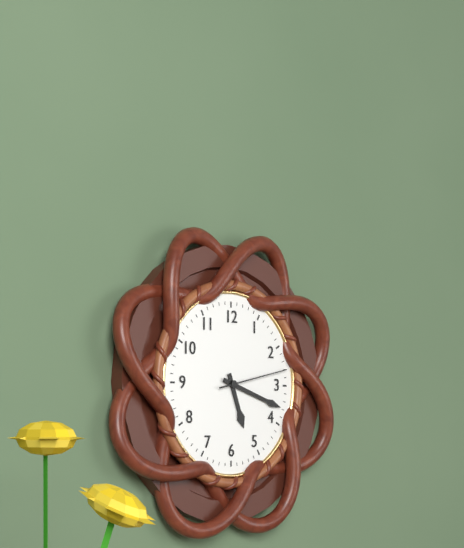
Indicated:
5.18.13
